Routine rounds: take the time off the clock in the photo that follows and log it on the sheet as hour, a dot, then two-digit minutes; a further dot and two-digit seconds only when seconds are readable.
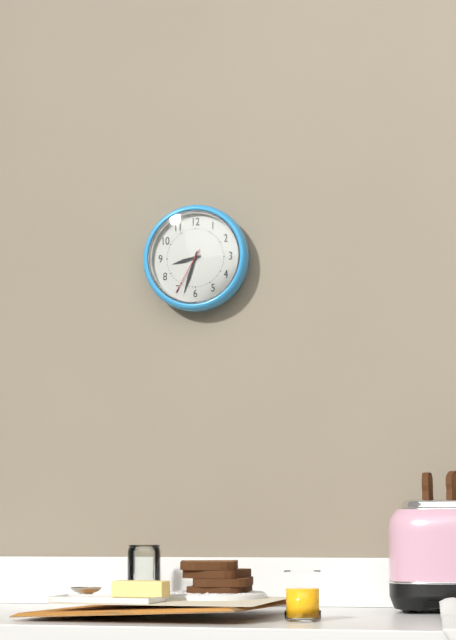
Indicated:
8.33.35
